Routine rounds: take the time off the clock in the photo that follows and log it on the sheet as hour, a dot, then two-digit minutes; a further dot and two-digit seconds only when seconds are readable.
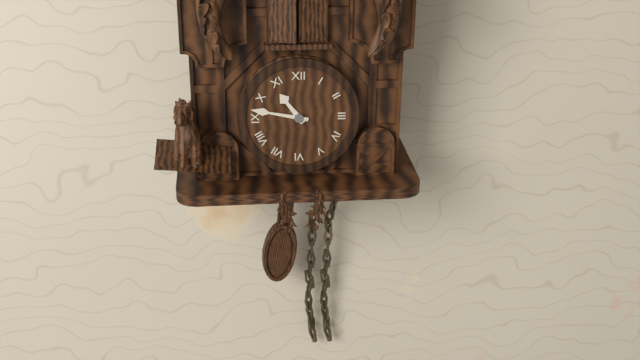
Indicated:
10.47
